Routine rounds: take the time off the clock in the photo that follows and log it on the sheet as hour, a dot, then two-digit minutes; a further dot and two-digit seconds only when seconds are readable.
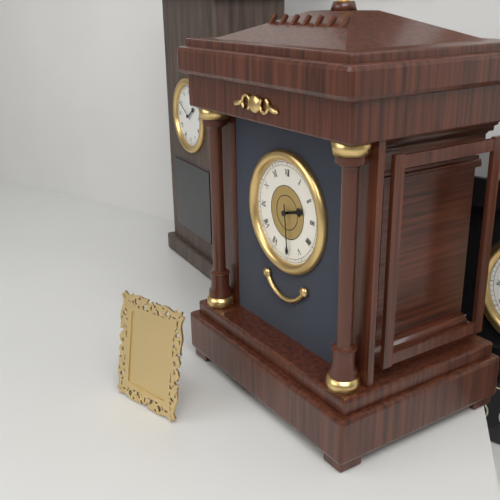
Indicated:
2.29
